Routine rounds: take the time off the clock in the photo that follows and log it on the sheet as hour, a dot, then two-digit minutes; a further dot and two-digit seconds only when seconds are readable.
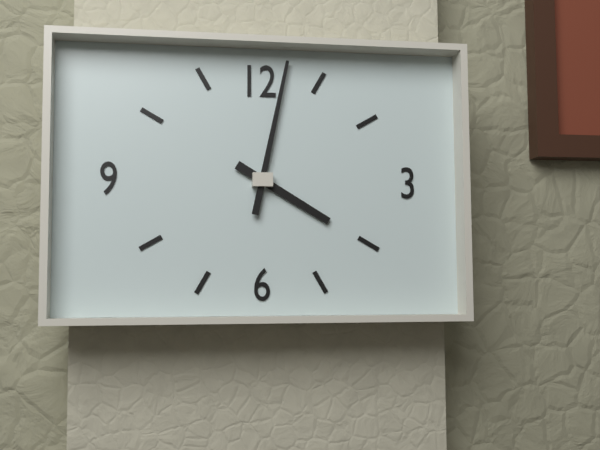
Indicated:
4.02
